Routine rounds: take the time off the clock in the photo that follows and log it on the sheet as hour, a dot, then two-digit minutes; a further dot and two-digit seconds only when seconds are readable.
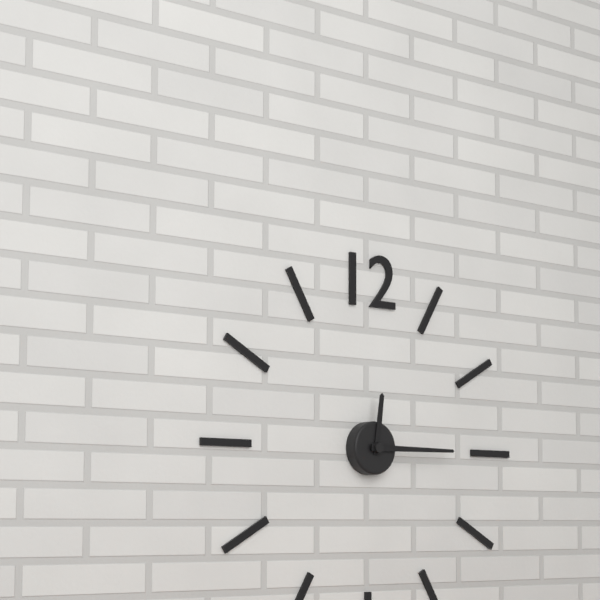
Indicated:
12.15
